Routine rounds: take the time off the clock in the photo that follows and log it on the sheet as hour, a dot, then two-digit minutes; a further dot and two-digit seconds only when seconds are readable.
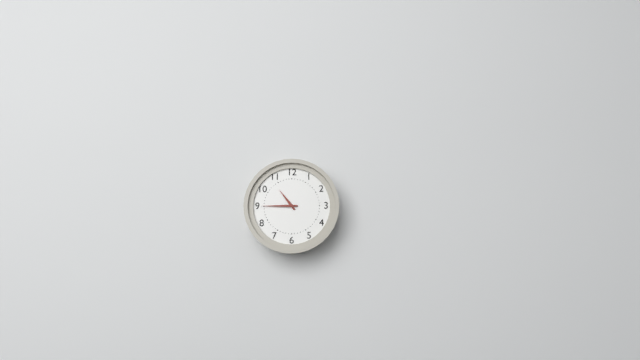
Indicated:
10.45
